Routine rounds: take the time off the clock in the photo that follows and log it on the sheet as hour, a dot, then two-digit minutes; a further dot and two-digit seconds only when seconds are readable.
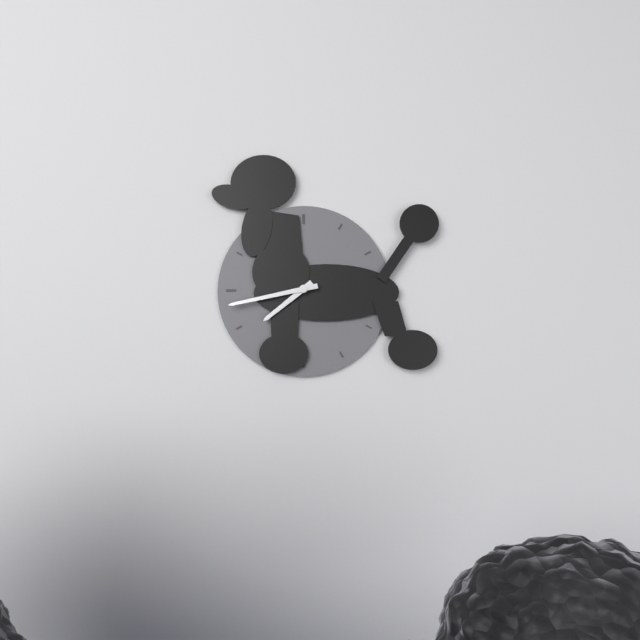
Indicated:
7.43
